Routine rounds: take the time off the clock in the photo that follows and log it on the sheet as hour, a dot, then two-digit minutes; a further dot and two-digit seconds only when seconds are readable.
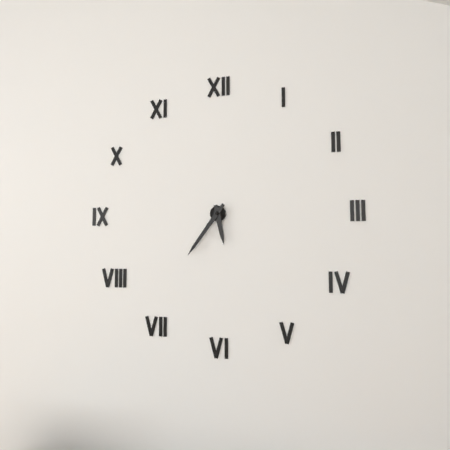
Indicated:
5.36
